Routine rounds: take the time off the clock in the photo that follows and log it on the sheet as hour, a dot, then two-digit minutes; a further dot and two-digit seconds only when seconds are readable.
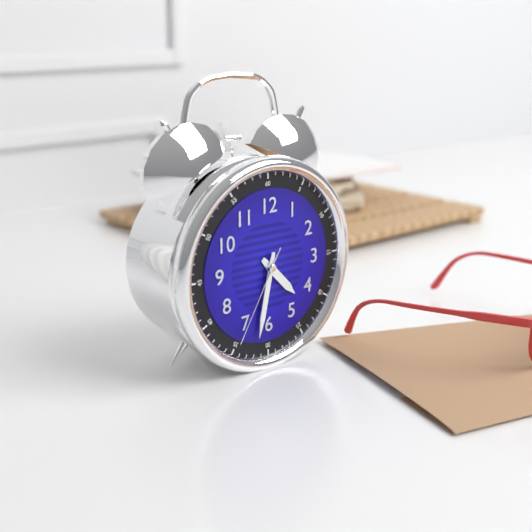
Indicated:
4.32.35
